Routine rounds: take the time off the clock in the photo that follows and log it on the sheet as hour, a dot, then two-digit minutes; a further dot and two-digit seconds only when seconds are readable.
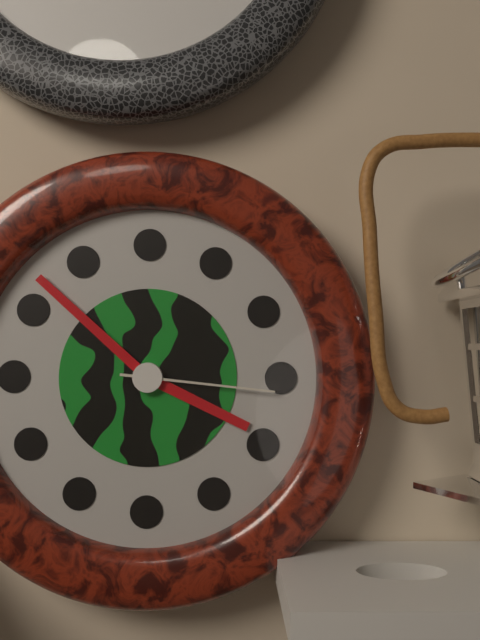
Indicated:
3.52.16
